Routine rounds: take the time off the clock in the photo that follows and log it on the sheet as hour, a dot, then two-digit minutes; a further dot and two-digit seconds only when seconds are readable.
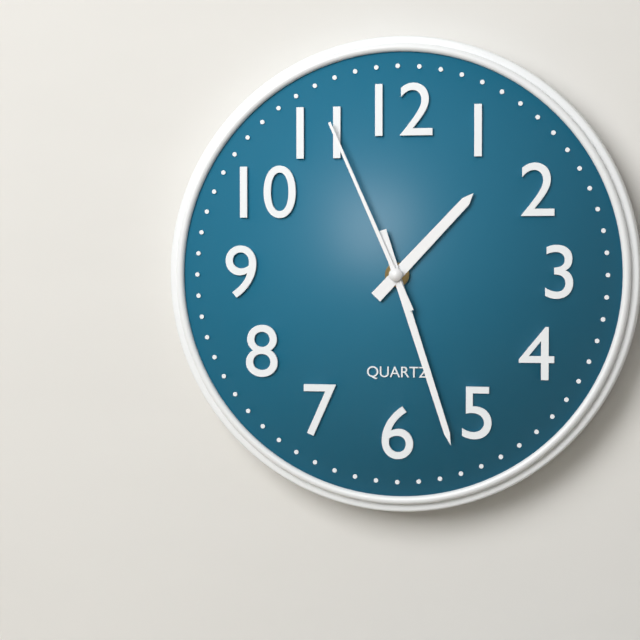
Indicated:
1.27.56
